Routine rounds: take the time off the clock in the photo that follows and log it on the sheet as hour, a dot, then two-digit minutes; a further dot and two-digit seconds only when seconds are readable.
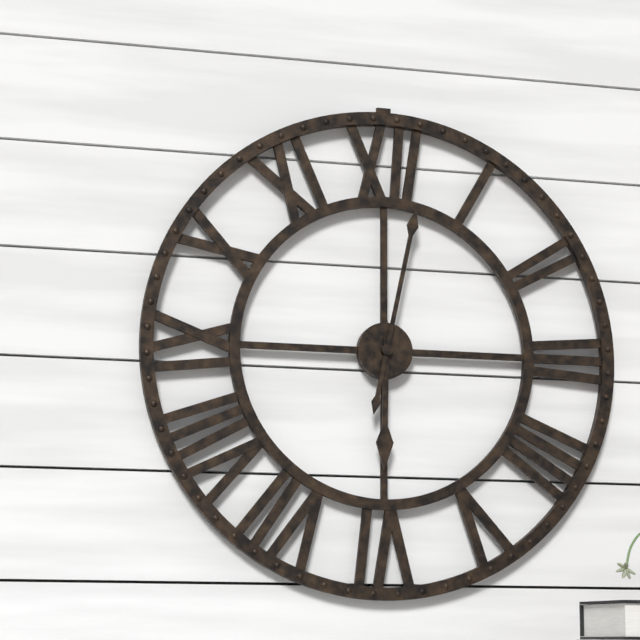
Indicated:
6.02
